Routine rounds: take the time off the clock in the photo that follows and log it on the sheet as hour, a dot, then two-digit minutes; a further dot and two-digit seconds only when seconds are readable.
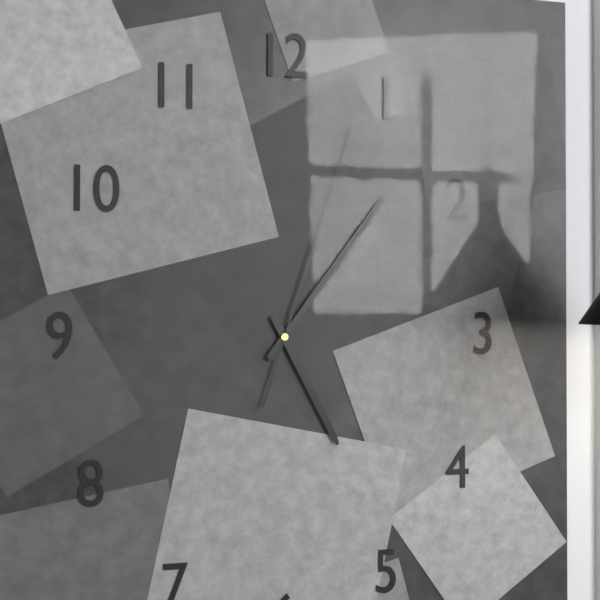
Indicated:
5.06.03
